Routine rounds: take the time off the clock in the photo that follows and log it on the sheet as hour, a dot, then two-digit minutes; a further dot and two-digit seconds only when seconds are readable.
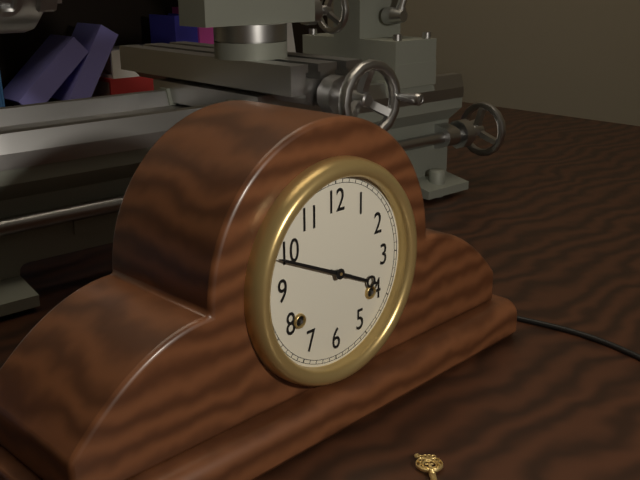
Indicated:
3.49
